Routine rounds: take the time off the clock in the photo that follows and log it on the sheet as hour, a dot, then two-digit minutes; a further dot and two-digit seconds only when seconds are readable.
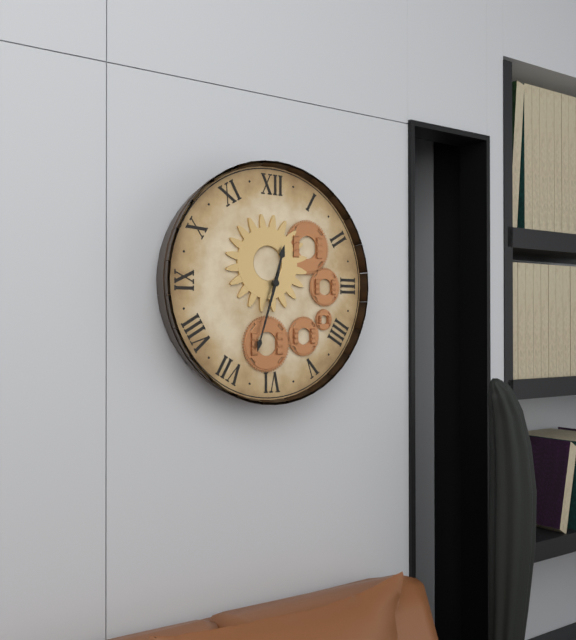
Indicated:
12.33
